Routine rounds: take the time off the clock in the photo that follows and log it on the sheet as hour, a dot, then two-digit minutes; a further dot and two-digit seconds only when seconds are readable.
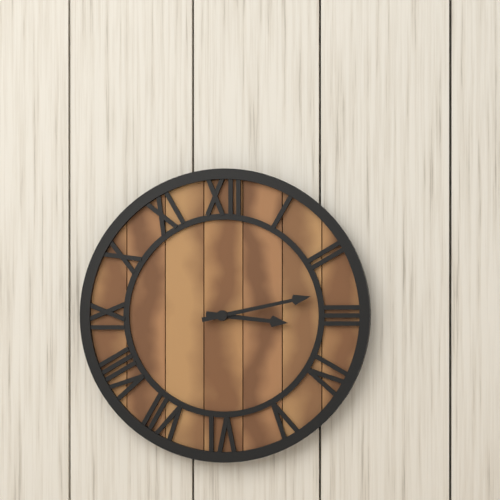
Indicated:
3.13
